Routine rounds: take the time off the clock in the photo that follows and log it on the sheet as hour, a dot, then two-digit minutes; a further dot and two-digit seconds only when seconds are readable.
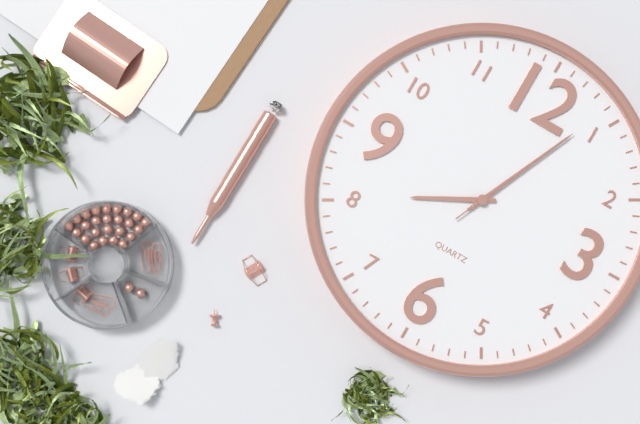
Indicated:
8.04.04
